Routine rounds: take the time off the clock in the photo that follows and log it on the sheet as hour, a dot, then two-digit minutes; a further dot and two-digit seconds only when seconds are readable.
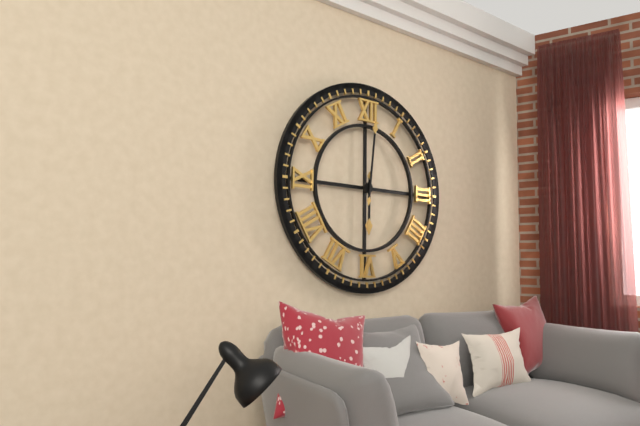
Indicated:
6.01
